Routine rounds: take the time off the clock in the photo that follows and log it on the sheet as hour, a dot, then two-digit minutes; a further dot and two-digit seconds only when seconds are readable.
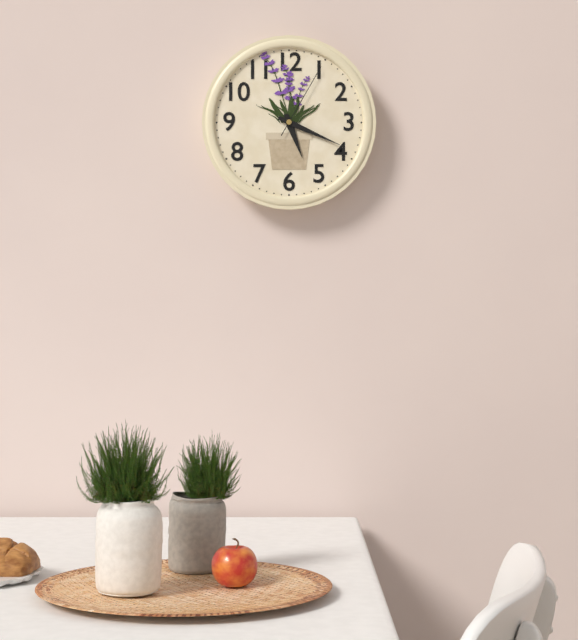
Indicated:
5.19.05
